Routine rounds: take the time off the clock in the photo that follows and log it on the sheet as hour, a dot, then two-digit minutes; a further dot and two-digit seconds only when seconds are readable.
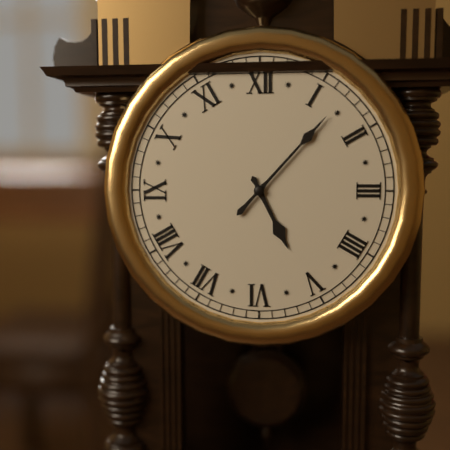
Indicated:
5.07
